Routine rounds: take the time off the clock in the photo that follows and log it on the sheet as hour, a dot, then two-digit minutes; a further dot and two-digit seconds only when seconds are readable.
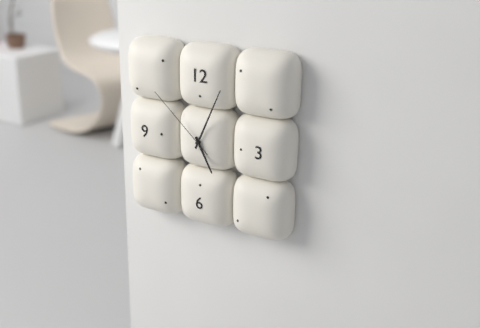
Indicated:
5.04.52
